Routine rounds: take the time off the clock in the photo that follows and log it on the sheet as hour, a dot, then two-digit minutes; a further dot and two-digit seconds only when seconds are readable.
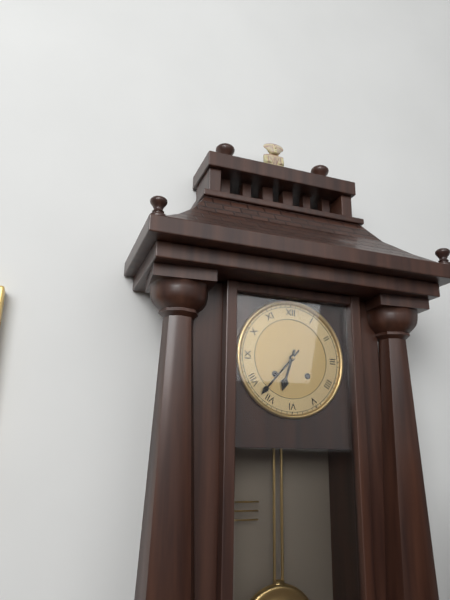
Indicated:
6.37
